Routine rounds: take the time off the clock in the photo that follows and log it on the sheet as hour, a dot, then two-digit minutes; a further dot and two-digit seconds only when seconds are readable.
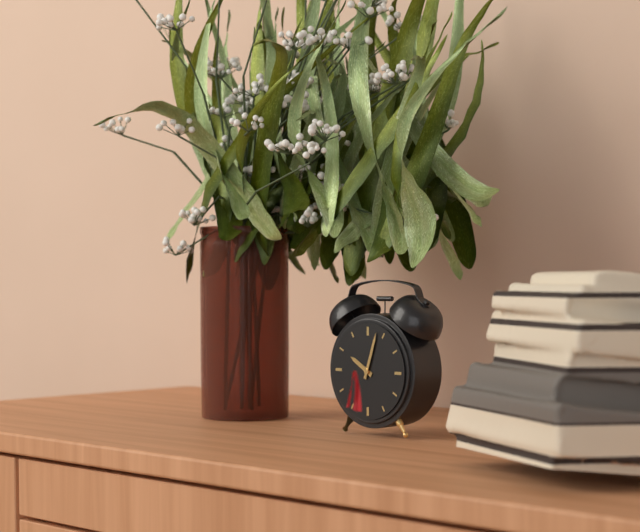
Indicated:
10.03
